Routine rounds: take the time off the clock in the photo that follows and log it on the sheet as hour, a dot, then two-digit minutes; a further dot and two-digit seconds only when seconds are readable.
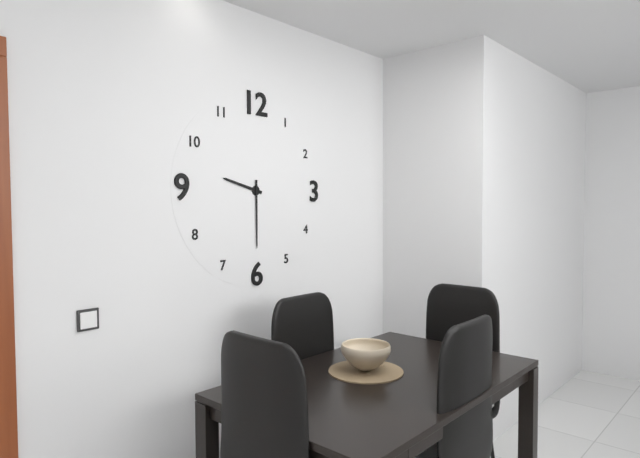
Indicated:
9.30
